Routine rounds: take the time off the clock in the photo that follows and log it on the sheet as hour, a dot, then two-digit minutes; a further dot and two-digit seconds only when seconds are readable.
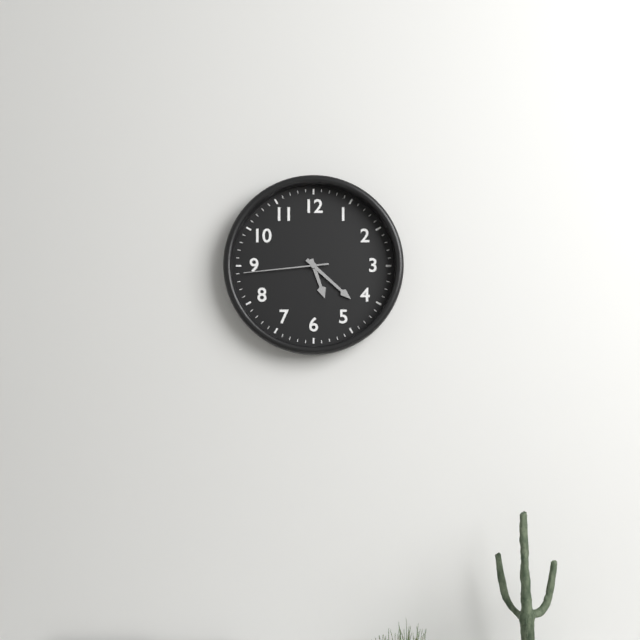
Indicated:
5.22.44
